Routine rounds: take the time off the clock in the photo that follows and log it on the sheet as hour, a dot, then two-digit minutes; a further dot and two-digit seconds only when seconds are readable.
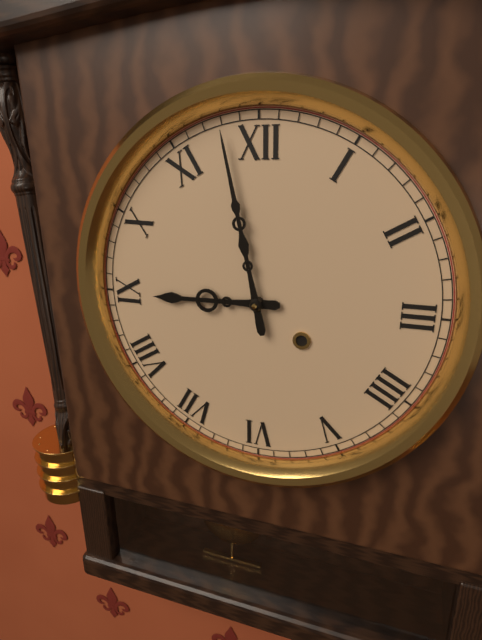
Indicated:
8.58
